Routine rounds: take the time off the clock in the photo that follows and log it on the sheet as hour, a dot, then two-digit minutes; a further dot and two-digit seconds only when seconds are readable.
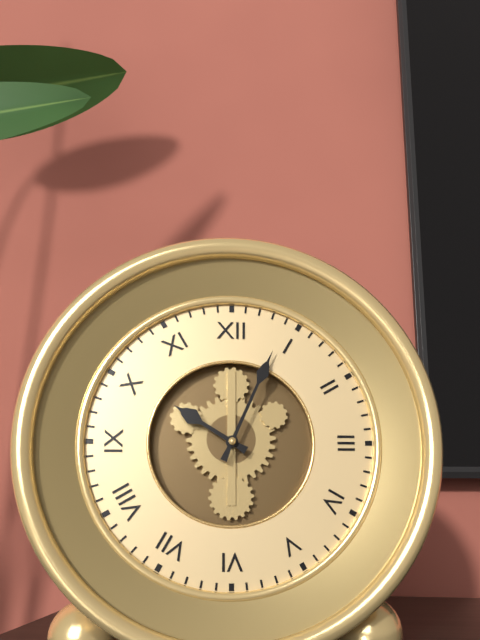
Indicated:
10.04
